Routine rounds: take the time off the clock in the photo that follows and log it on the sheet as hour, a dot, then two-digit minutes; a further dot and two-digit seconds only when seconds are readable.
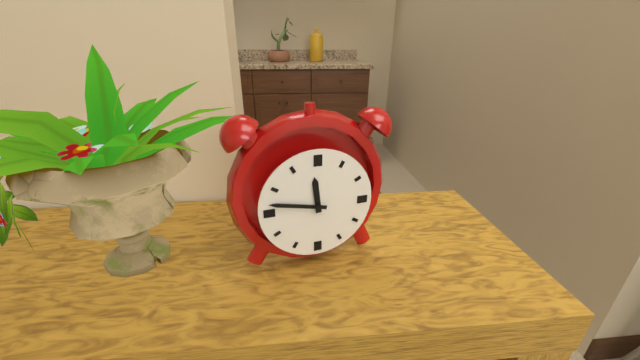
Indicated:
11.47
